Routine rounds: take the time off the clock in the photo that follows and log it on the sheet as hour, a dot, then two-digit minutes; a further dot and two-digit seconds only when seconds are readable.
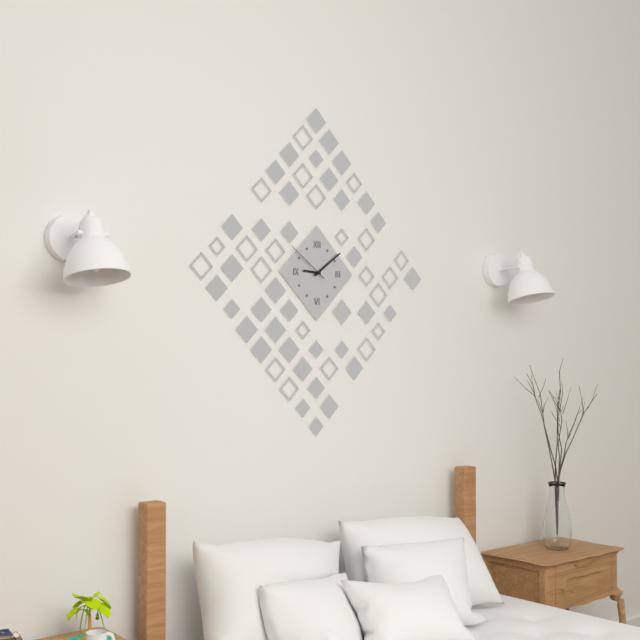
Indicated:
9.09
